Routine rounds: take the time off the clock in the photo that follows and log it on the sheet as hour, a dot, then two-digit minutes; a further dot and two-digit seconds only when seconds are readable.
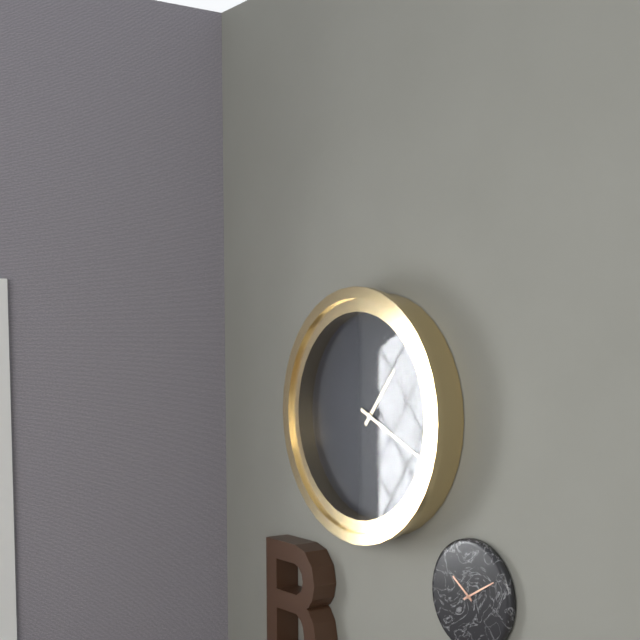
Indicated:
1.19
